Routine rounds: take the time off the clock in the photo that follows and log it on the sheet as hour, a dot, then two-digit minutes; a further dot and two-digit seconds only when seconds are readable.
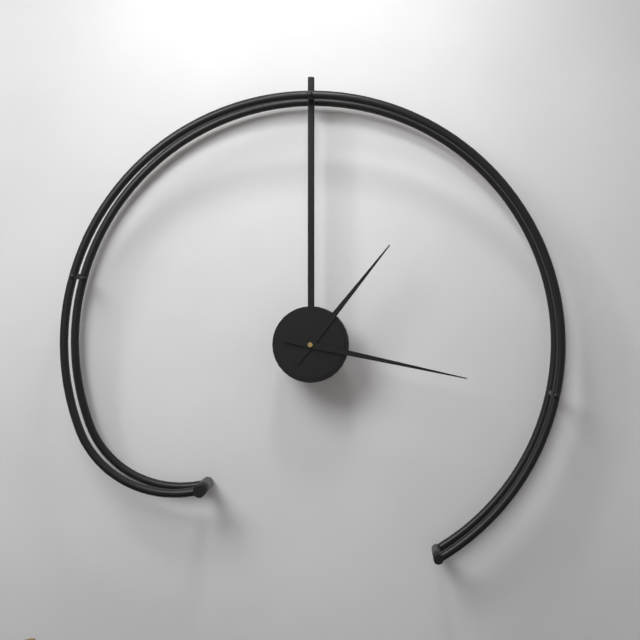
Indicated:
1.17
